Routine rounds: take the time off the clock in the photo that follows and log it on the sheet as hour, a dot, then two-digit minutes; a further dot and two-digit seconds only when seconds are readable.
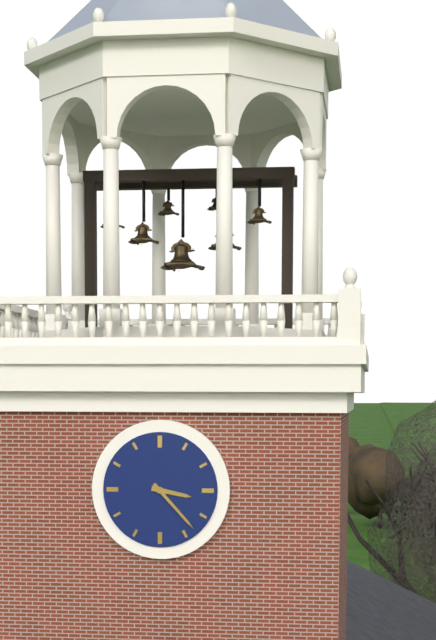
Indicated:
3.23
